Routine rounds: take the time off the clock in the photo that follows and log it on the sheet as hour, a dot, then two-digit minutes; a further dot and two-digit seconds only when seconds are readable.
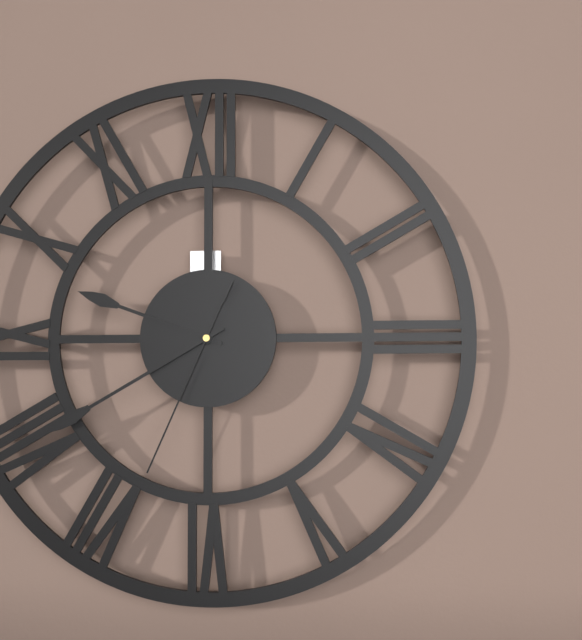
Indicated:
9.40.34
